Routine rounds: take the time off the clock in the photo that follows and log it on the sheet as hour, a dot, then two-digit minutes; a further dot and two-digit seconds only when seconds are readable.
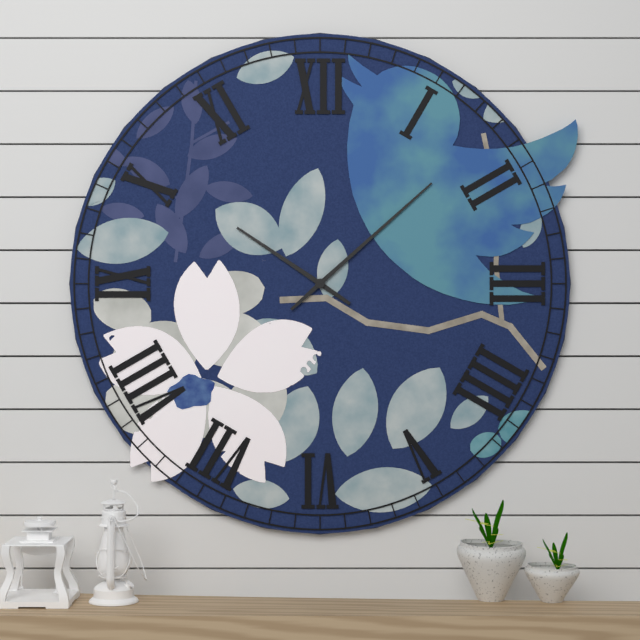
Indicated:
10.08
